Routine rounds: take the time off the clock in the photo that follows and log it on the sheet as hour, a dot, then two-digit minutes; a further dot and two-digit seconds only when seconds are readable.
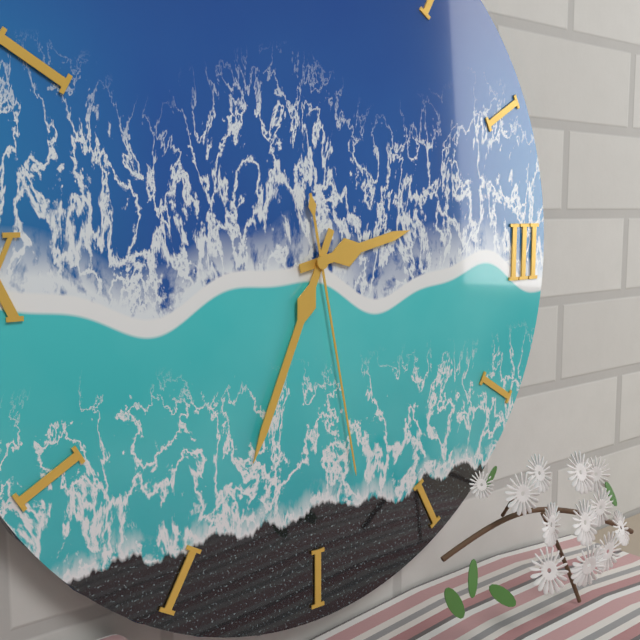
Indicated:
2.34.28
